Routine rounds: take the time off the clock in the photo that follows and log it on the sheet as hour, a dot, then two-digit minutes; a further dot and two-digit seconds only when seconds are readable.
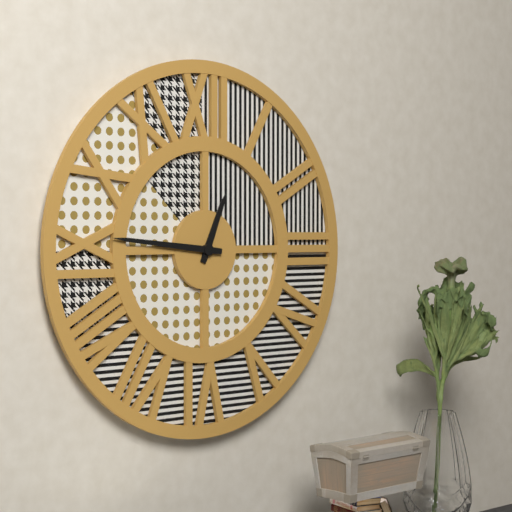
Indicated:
12.46
